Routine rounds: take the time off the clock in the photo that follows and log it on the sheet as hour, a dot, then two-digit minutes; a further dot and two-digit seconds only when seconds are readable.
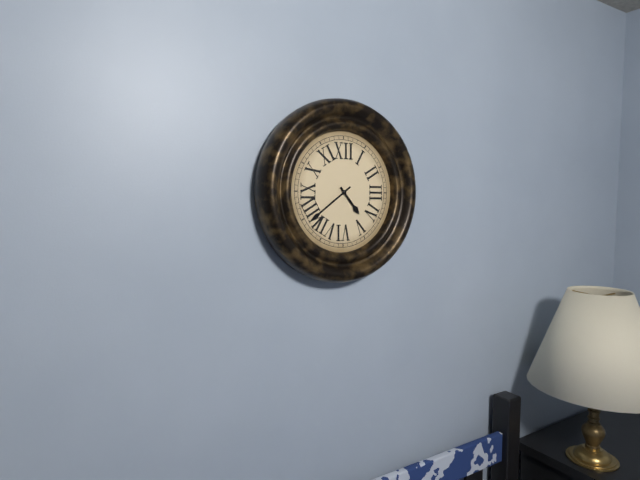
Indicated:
4.39
